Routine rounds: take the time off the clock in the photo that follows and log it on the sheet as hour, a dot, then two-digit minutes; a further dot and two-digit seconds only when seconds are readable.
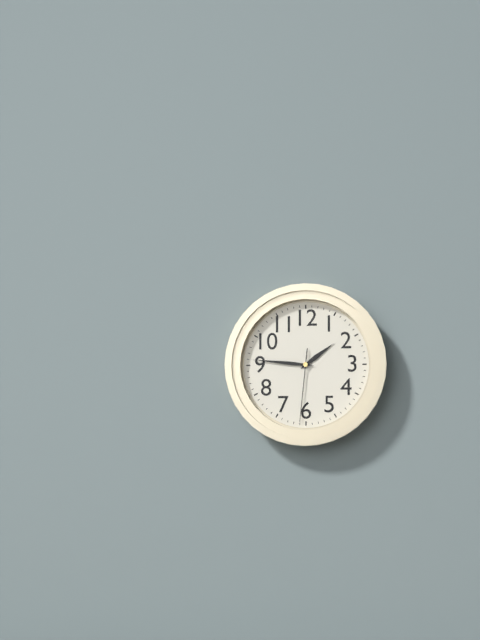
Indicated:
1.46.31
